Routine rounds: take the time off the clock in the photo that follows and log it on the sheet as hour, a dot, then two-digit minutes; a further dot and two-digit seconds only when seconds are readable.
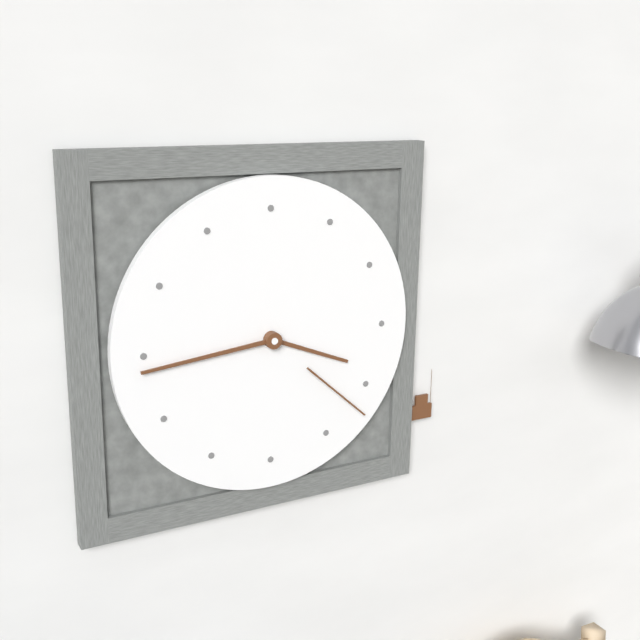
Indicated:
3.44.22
